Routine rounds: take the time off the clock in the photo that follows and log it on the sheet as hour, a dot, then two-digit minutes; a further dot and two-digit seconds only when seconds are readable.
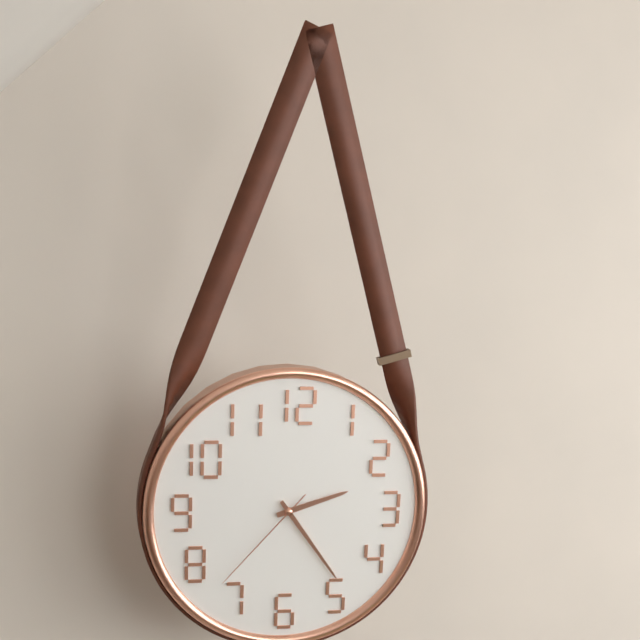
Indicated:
2.24.37
